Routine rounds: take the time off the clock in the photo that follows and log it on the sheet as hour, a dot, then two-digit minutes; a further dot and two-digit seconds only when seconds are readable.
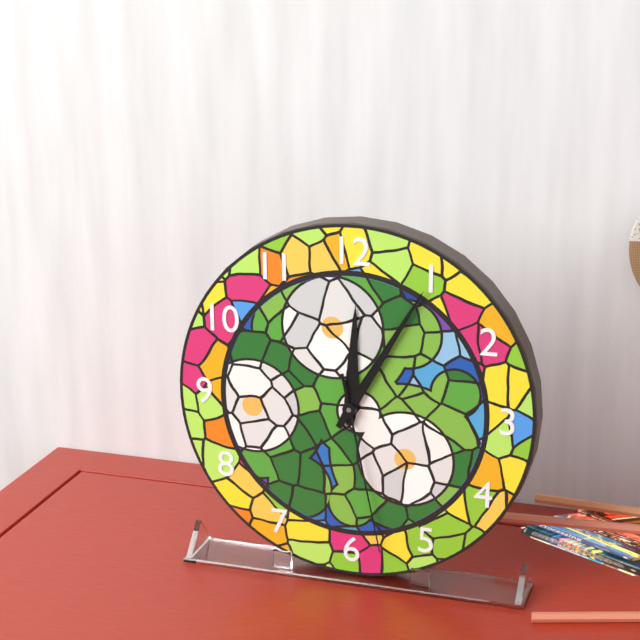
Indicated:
12.05.28
